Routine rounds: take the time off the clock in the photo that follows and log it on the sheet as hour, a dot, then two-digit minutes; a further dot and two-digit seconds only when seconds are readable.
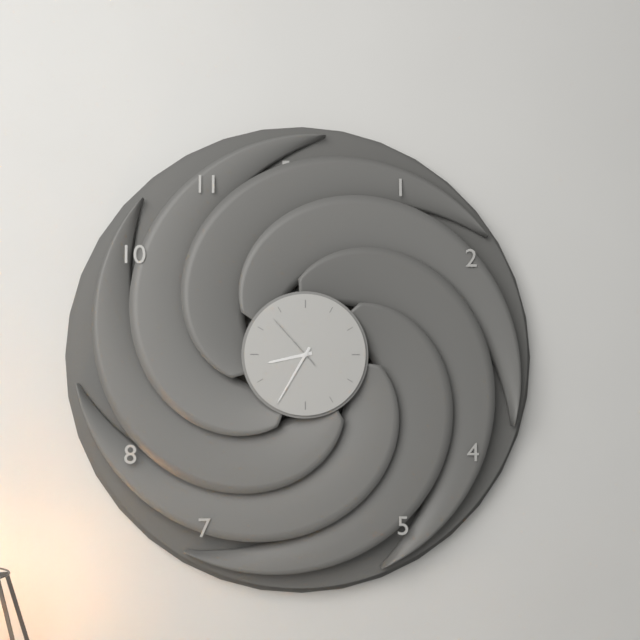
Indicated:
8.35.53
